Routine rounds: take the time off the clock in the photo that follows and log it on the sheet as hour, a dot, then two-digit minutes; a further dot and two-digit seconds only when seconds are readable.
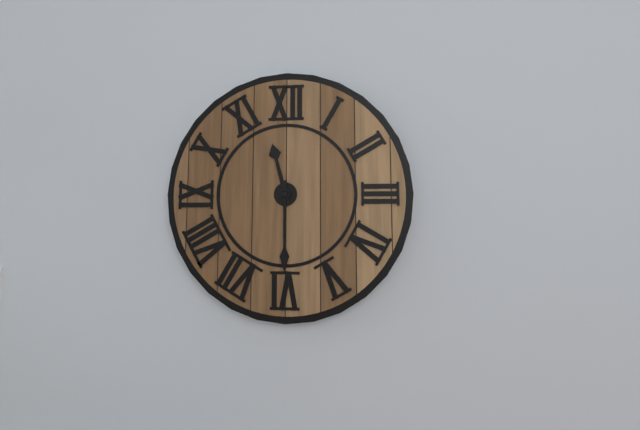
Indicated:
11.30
